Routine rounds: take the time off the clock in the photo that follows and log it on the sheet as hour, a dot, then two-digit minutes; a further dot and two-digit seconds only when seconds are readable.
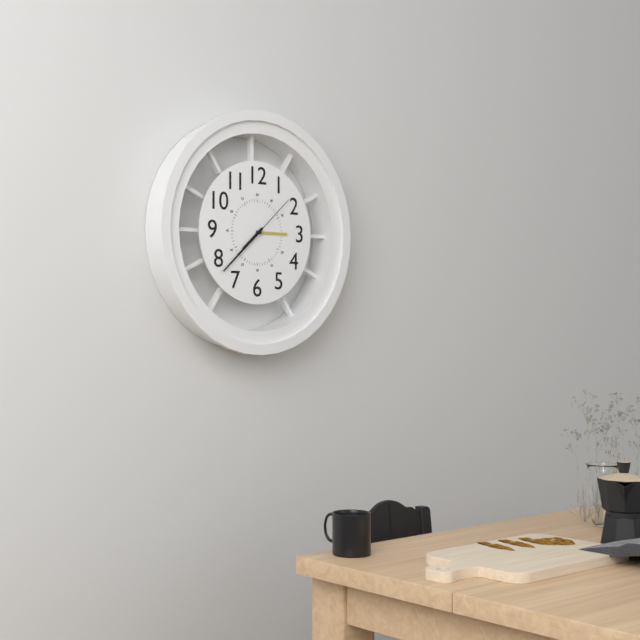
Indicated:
7.38.08
